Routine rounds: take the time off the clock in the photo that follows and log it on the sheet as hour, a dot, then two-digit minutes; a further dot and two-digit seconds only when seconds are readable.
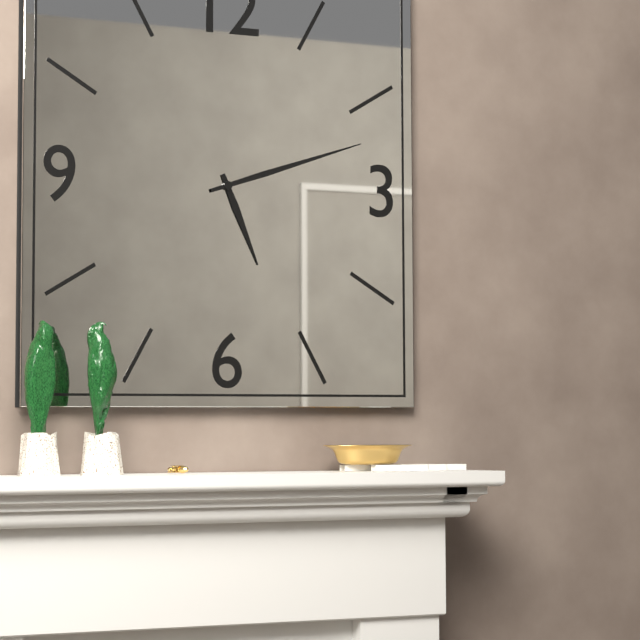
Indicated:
5.12
